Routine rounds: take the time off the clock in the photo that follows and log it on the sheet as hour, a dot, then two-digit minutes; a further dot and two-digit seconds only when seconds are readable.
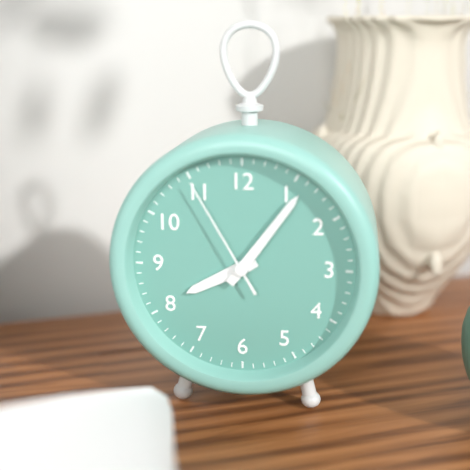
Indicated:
8.06.55
